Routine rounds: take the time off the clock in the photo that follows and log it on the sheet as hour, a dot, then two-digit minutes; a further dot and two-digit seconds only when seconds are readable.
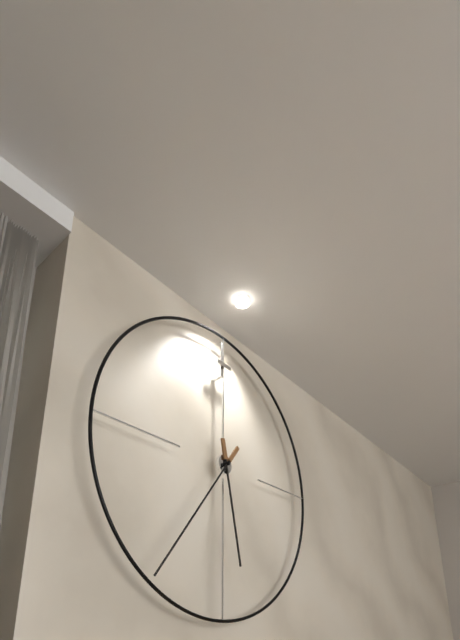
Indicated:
5.36
